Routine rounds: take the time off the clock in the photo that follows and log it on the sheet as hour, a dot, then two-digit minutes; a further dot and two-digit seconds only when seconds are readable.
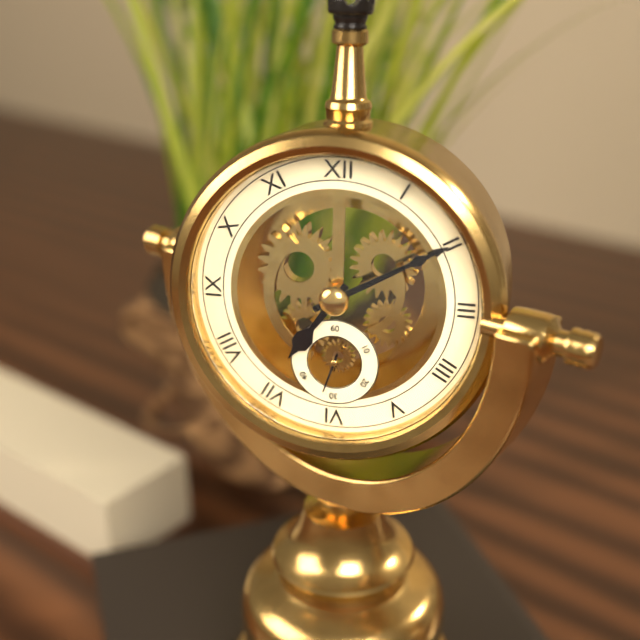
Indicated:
7.10
